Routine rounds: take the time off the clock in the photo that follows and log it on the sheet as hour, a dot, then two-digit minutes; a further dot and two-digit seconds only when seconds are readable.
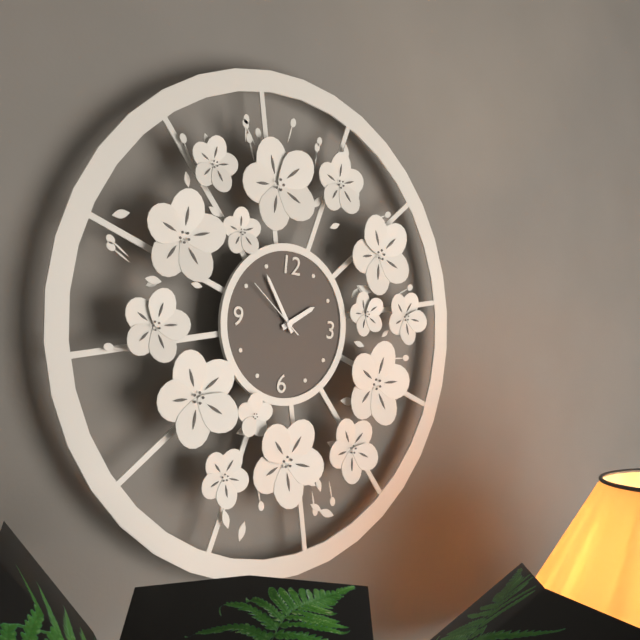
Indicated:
1.54.51
